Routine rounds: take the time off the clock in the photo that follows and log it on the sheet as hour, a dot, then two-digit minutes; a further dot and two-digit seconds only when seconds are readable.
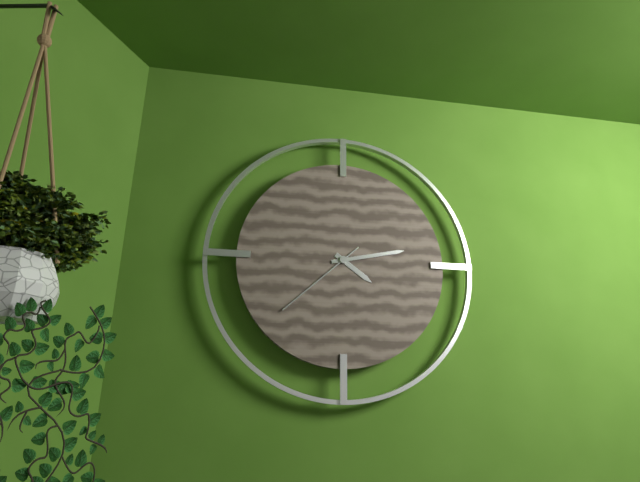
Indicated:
4.13.38
